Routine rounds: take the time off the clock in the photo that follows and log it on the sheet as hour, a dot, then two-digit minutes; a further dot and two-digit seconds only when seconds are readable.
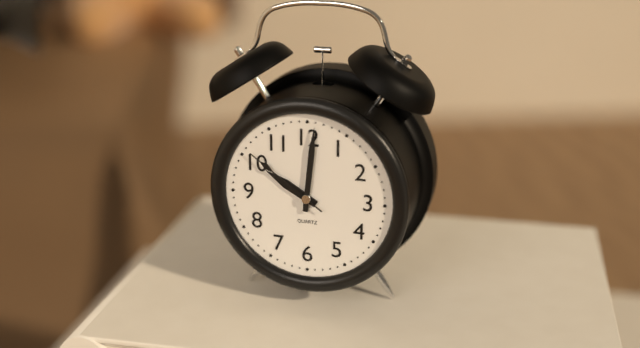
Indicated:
10.01.51
